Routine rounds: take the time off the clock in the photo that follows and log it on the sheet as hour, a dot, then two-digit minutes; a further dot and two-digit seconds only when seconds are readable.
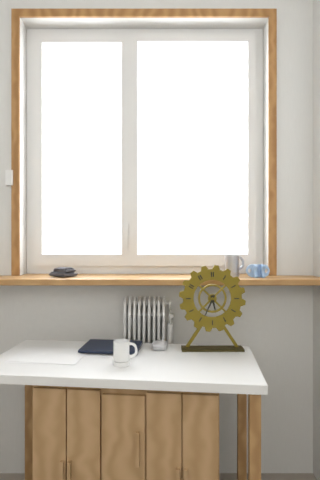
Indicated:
5.34
